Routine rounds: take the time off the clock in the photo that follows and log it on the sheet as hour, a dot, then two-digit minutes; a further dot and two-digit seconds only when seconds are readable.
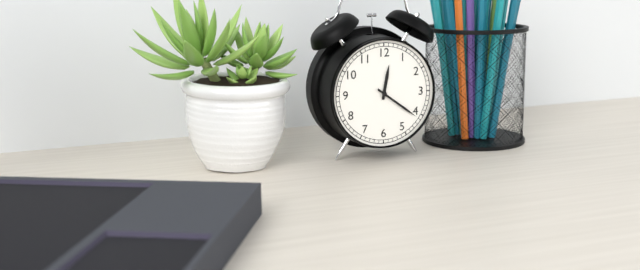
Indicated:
12.21
